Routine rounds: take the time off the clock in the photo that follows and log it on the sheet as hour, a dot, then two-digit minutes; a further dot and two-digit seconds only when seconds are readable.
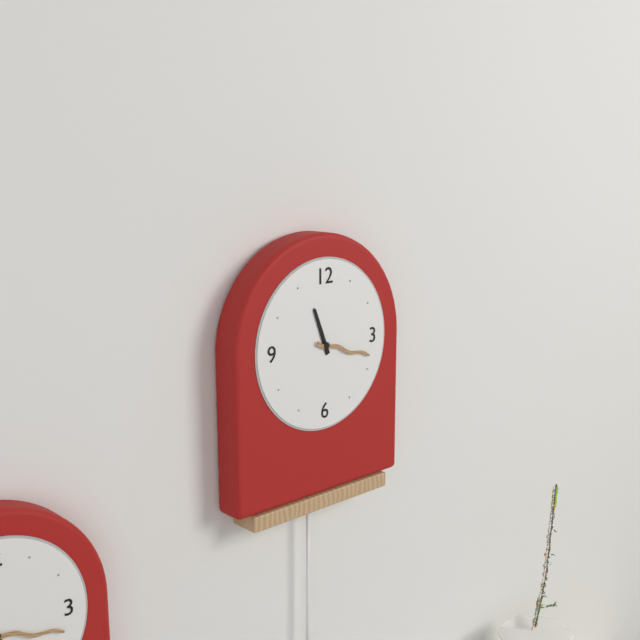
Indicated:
11.18
